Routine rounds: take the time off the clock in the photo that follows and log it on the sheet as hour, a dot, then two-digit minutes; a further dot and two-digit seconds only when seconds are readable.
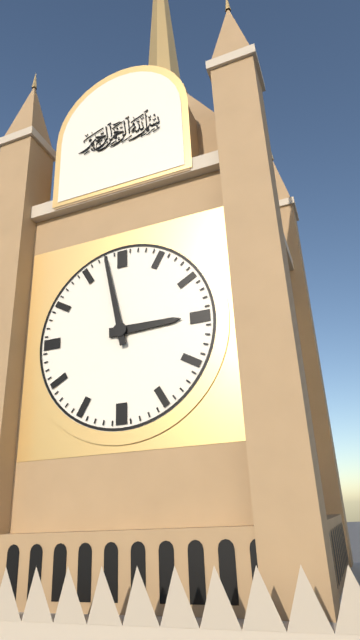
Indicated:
2.58
